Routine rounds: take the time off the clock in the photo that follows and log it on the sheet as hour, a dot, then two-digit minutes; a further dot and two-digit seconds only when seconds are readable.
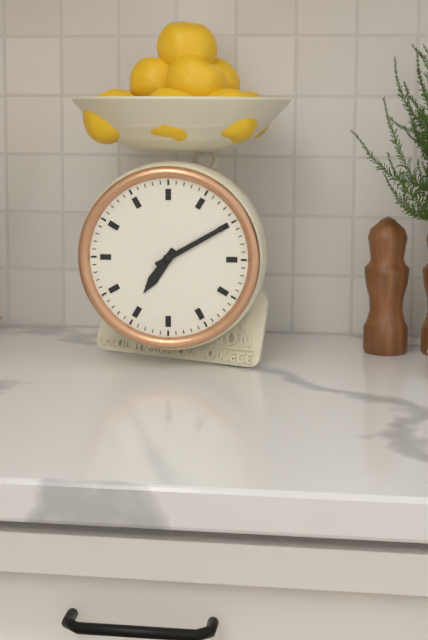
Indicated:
7.10
